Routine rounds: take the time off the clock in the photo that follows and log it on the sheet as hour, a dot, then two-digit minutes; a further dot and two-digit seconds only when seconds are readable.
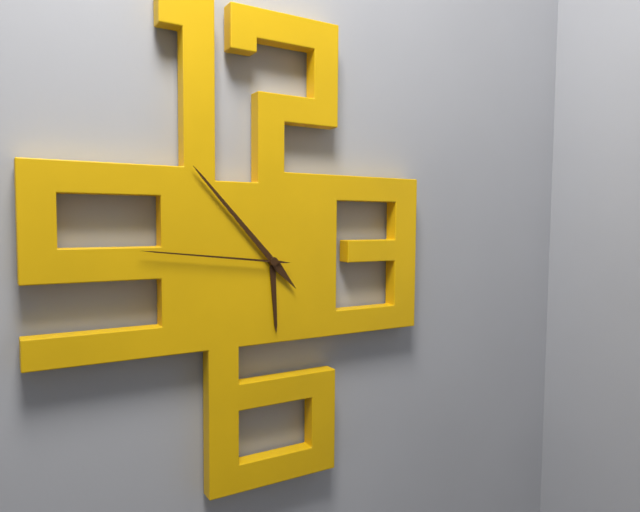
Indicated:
5.53.46
